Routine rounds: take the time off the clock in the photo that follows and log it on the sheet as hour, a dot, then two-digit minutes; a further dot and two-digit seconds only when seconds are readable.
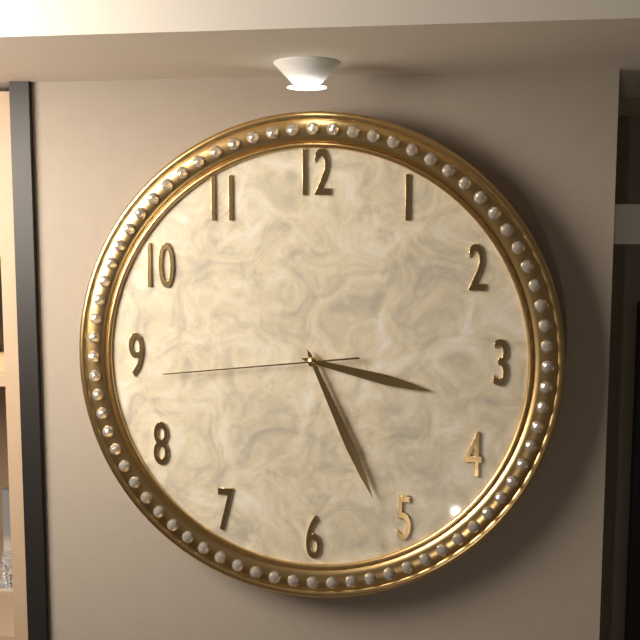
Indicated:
3.26.44
